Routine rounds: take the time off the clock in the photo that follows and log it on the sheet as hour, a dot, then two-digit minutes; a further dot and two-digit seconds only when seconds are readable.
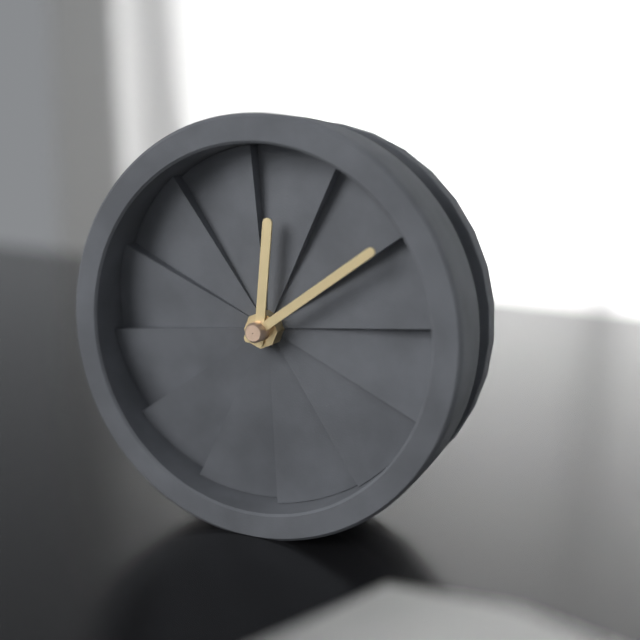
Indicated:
12.09
